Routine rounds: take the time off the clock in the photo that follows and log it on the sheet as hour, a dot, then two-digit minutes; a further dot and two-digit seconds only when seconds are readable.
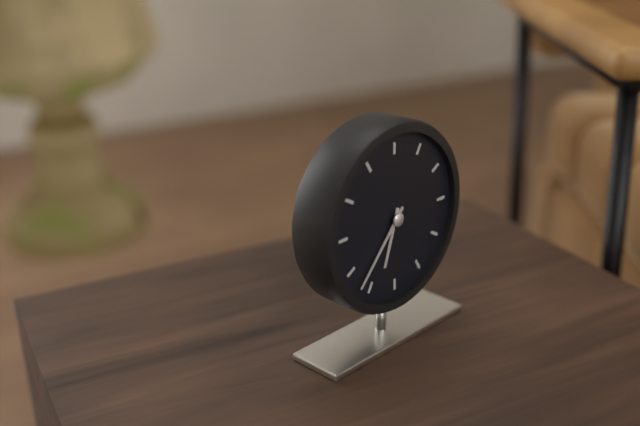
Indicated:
6.37
